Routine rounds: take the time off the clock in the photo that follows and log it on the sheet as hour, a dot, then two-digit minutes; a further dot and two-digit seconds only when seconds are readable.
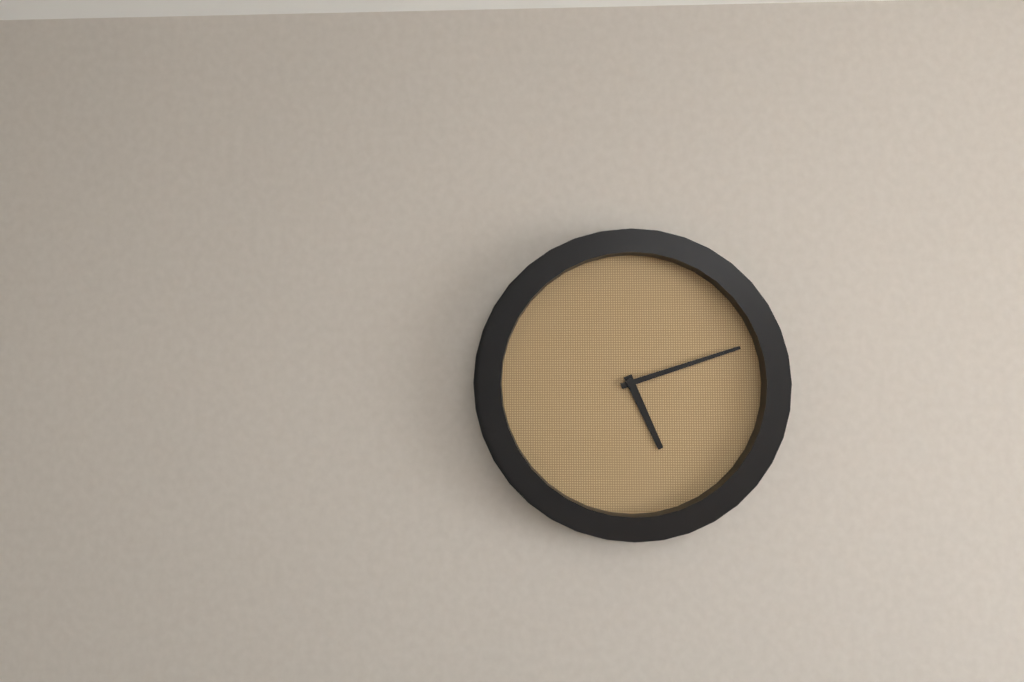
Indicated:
5.12
